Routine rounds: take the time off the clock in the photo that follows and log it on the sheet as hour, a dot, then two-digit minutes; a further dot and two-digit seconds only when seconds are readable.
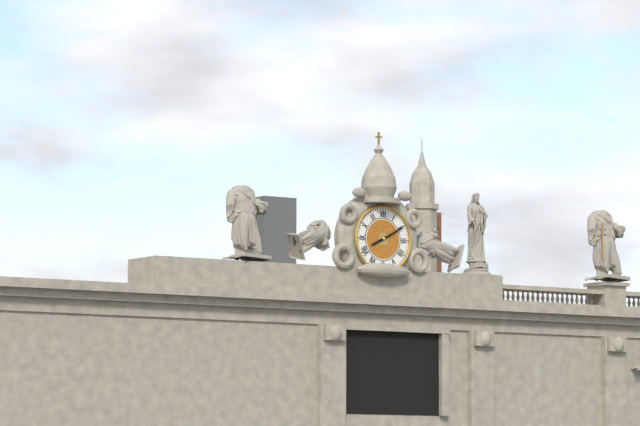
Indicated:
8.10
